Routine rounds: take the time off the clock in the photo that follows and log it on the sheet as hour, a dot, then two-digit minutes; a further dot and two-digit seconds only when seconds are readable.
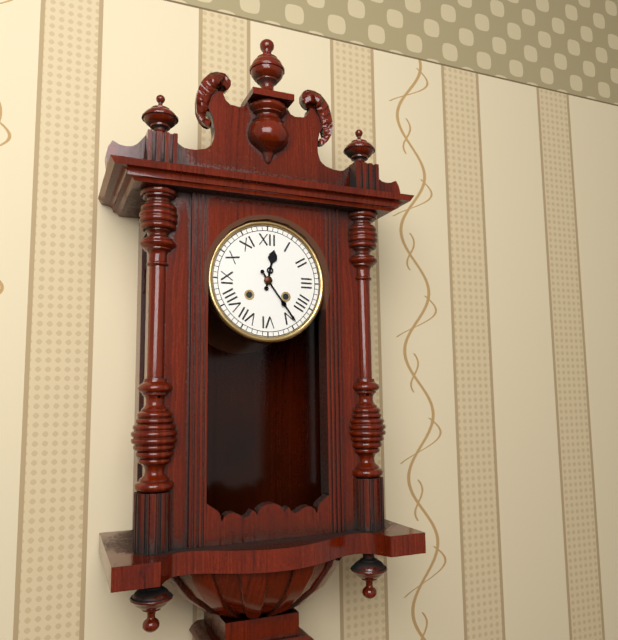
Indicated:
12.24
